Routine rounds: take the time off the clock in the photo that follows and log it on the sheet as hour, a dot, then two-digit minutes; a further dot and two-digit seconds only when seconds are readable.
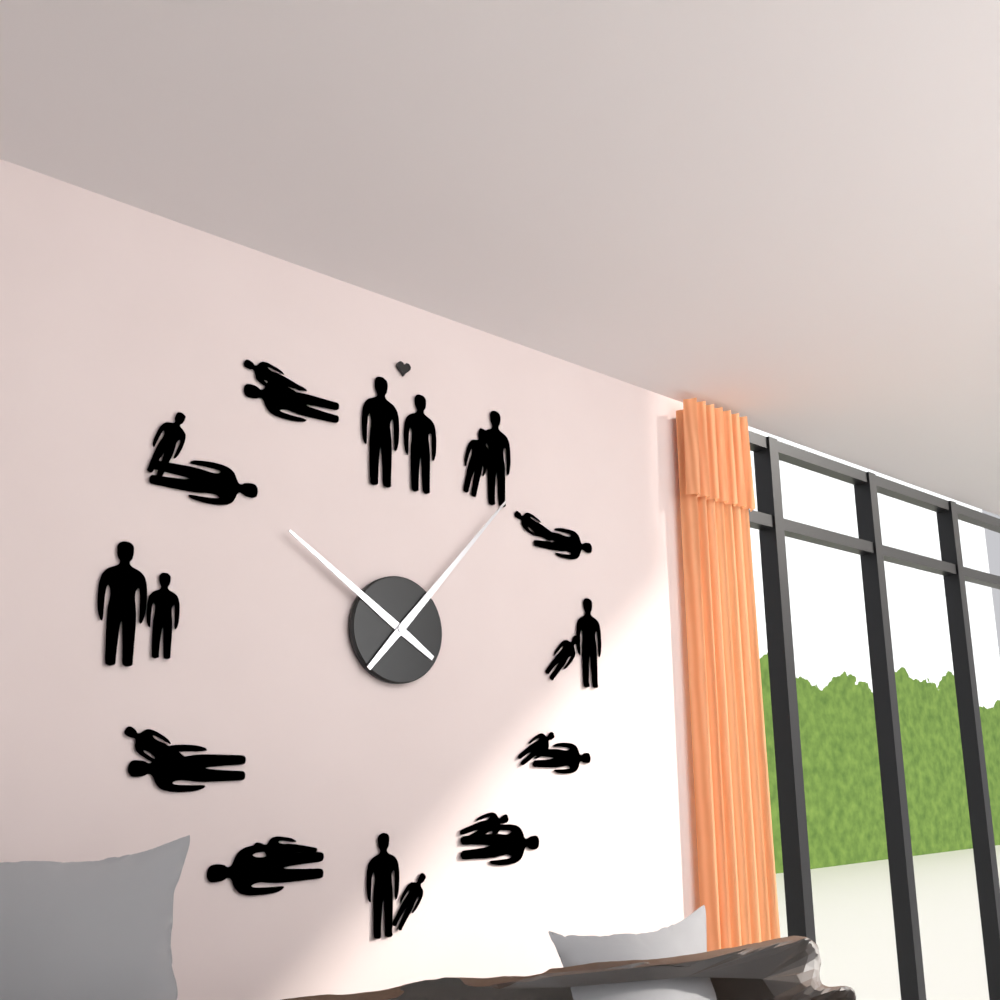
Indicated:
10.07
